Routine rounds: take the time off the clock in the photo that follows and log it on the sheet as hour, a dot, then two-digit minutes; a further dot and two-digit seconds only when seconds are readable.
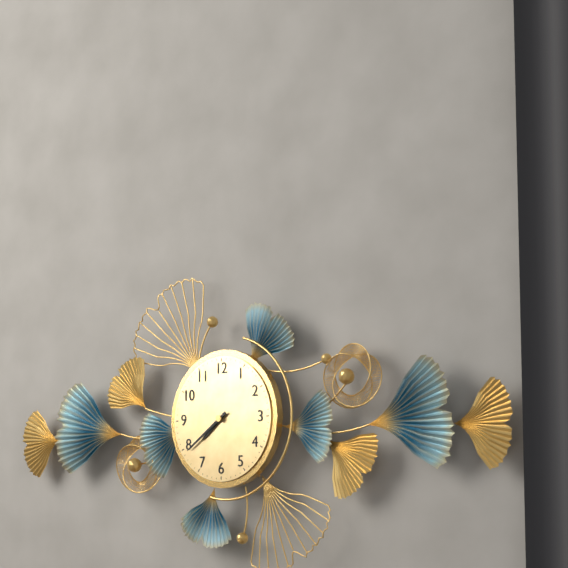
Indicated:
7.39
